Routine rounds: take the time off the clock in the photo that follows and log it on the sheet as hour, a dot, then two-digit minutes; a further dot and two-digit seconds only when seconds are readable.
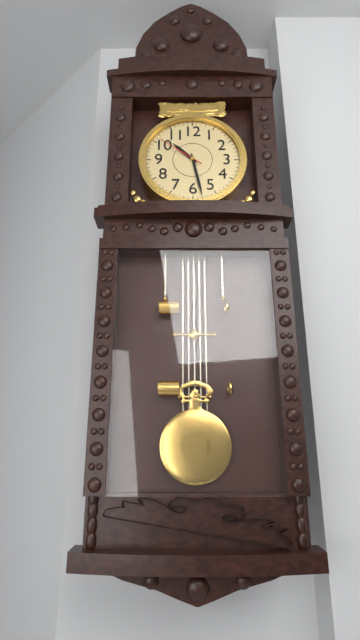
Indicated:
10.28
